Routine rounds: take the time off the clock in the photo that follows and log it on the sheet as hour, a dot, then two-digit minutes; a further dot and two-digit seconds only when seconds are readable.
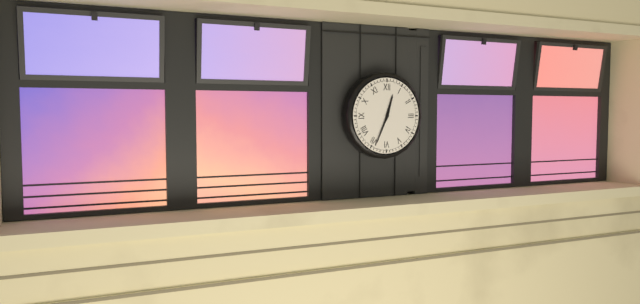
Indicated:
12.34
